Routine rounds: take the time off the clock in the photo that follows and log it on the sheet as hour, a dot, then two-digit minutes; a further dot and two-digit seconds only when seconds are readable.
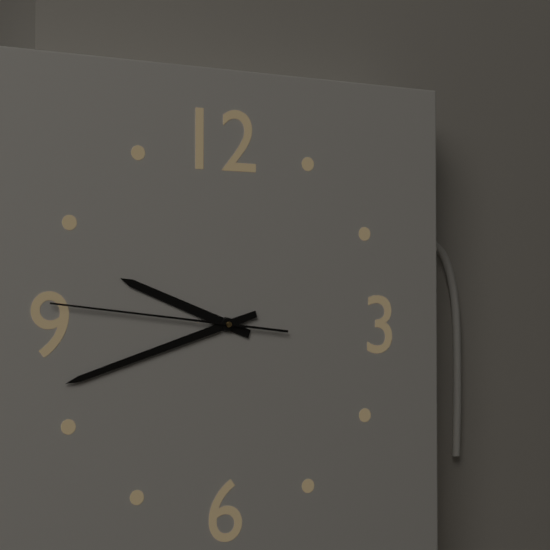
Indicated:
9.42.46
